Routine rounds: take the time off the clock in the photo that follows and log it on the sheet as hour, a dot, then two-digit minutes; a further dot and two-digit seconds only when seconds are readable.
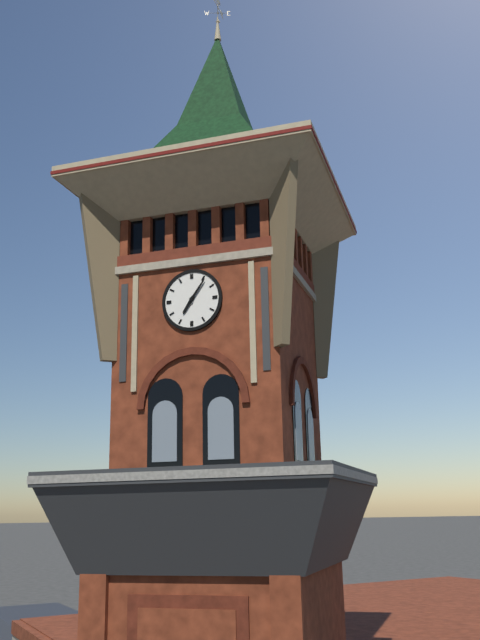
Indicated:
7.06
